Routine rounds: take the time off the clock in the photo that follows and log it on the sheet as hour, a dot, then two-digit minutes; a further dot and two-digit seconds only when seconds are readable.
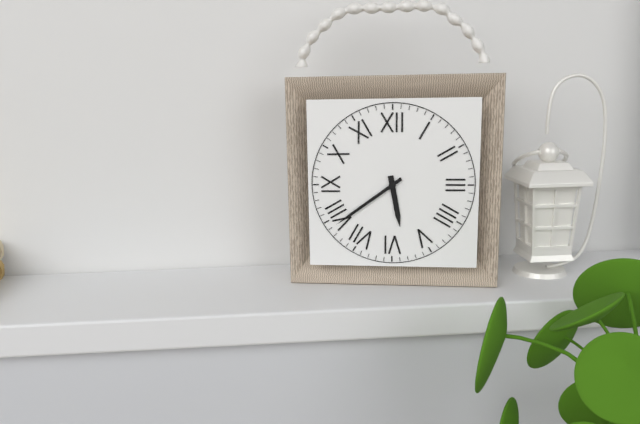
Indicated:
5.39
